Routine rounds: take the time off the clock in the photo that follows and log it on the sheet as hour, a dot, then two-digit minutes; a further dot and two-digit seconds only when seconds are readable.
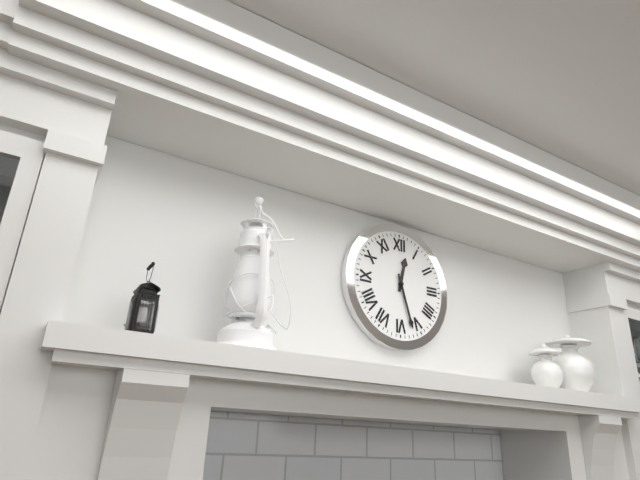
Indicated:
12.27
